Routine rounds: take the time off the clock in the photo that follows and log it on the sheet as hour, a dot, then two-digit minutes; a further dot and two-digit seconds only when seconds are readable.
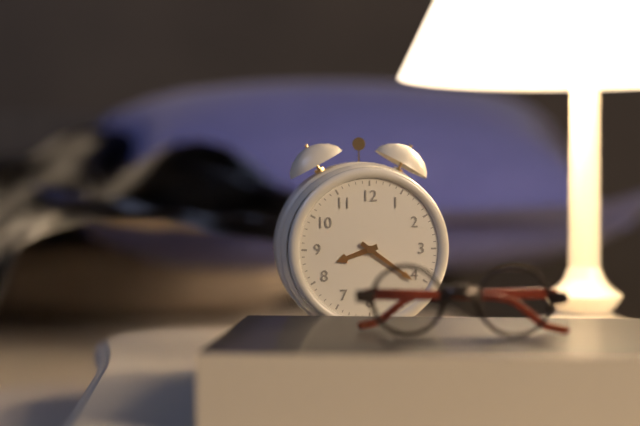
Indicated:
8.21
